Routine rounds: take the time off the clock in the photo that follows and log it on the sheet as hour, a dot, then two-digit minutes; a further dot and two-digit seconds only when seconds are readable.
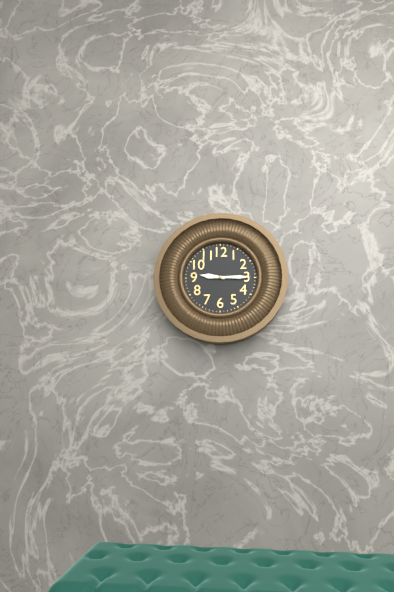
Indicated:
9.15
